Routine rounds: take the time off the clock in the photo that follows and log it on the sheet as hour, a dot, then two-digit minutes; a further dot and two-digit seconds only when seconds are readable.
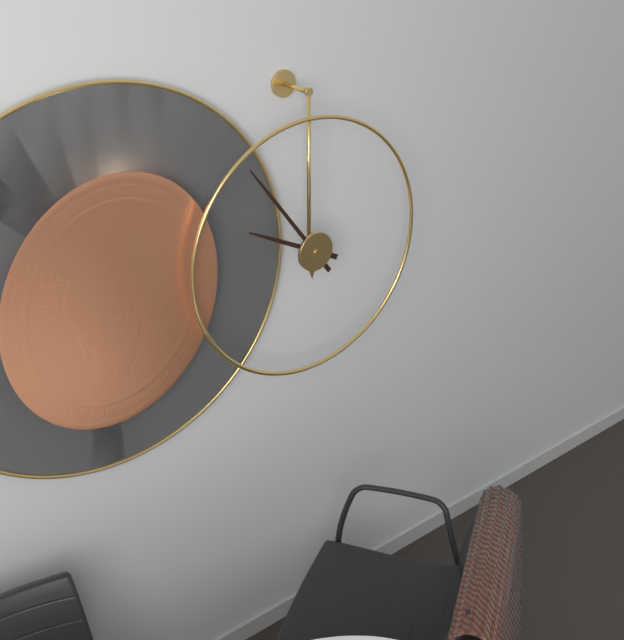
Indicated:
9.54
